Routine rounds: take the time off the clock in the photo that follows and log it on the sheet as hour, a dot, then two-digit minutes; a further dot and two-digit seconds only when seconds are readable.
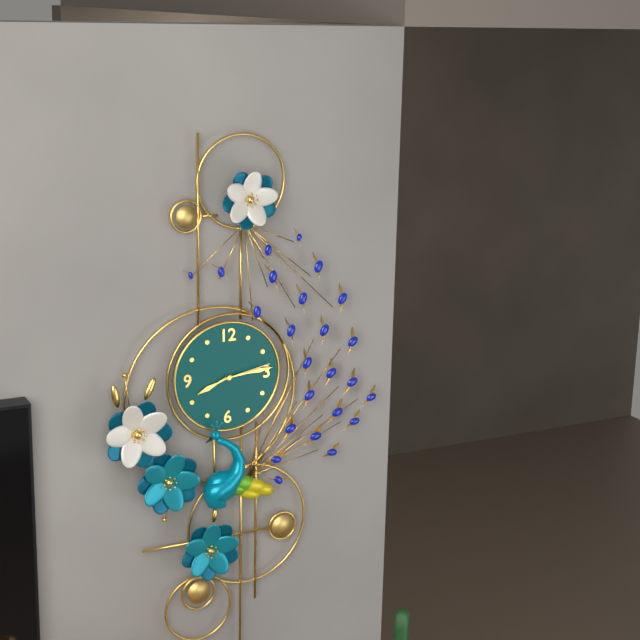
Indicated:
8.14.13
